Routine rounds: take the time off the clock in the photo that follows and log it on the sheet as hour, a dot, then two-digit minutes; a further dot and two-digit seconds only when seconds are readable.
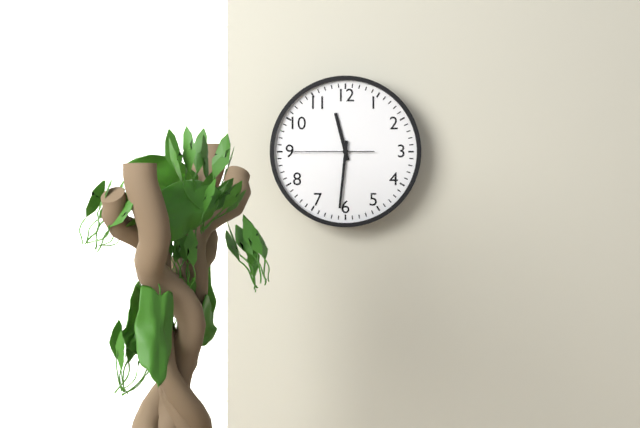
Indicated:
11.31.45
